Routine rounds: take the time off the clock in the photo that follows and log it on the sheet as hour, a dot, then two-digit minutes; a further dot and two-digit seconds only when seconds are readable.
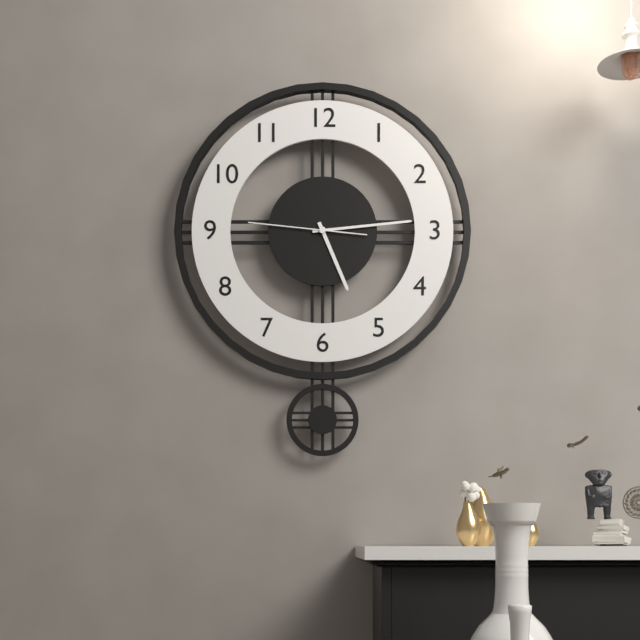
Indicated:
5.14.46
